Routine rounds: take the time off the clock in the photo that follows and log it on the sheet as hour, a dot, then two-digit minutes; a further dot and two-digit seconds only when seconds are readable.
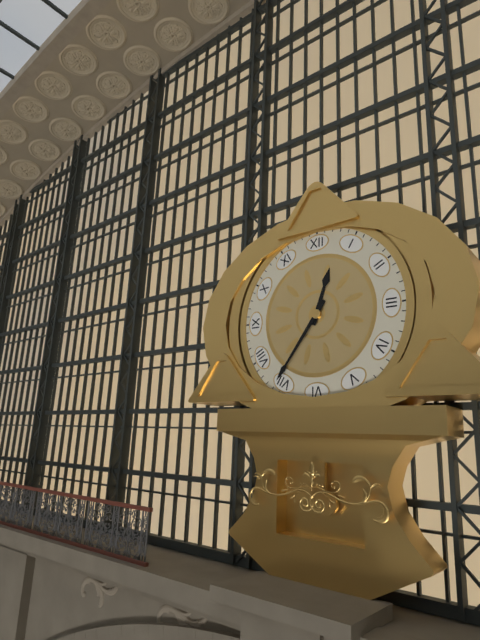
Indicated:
12.36
